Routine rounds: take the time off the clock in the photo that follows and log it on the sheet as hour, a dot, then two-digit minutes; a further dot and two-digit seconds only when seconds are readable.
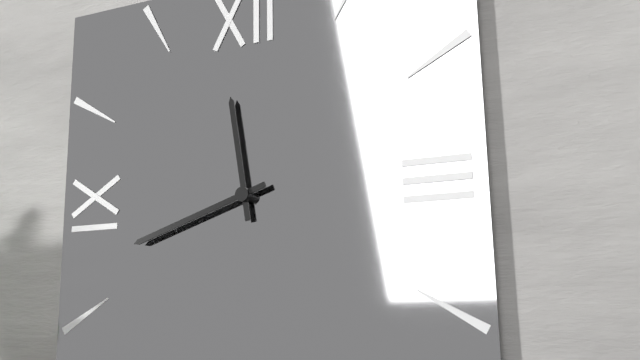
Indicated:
11.42
